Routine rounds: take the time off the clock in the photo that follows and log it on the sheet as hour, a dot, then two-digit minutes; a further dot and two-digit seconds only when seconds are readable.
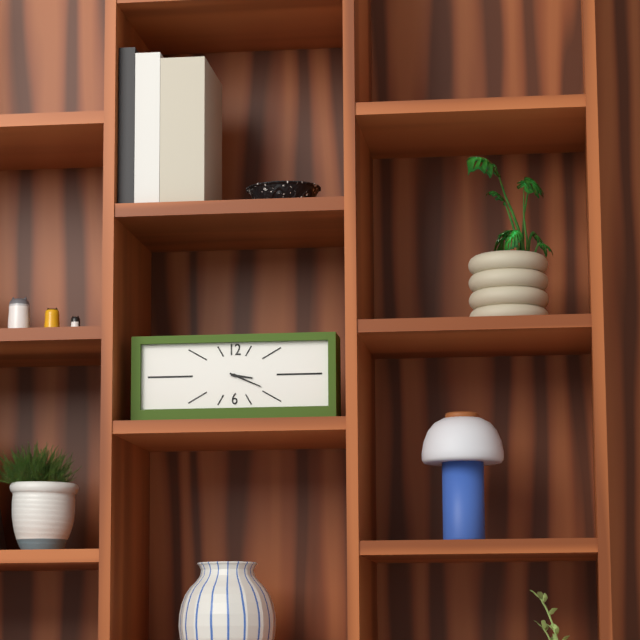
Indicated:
3.19
